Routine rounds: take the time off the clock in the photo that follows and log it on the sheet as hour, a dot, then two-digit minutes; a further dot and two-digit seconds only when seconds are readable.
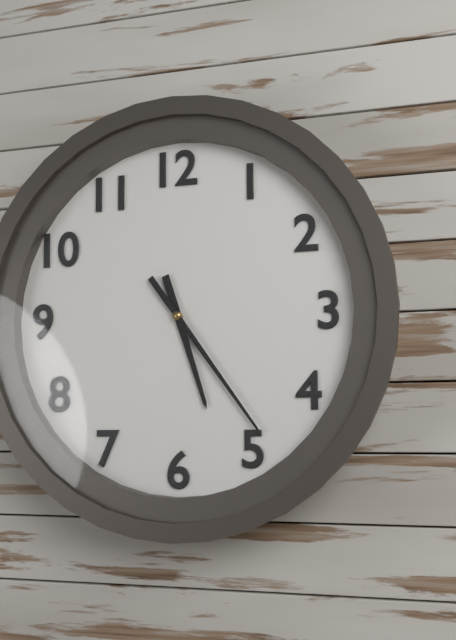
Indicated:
5.24
